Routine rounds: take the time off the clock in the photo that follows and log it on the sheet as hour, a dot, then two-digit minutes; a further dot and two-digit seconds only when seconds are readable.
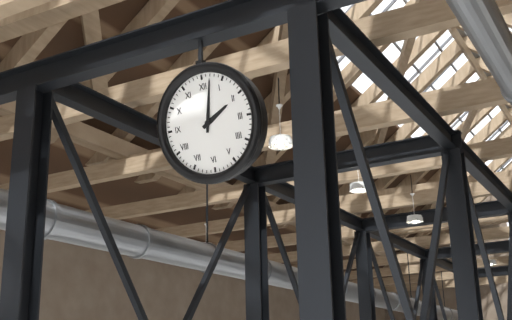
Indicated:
2.02
